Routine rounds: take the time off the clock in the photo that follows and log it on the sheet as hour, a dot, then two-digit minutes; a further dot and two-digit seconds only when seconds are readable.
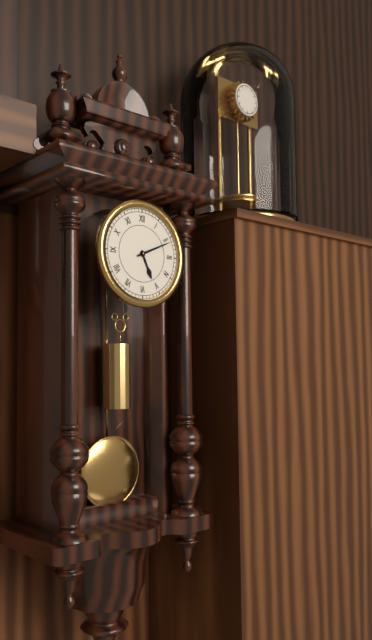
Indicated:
5.11
